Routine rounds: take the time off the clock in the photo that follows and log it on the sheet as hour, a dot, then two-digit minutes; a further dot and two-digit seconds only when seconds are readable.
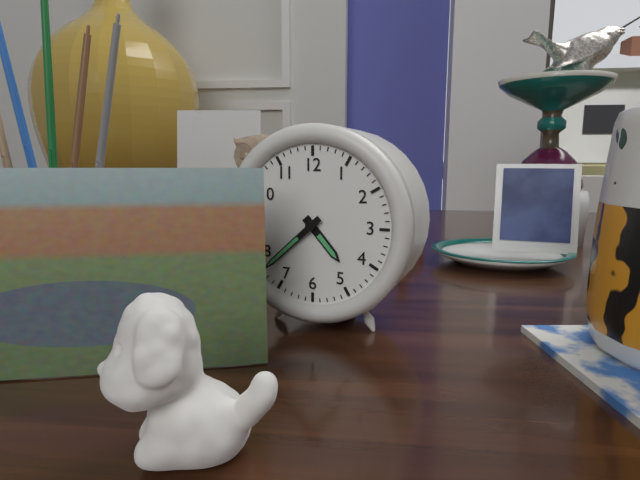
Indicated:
4.38
